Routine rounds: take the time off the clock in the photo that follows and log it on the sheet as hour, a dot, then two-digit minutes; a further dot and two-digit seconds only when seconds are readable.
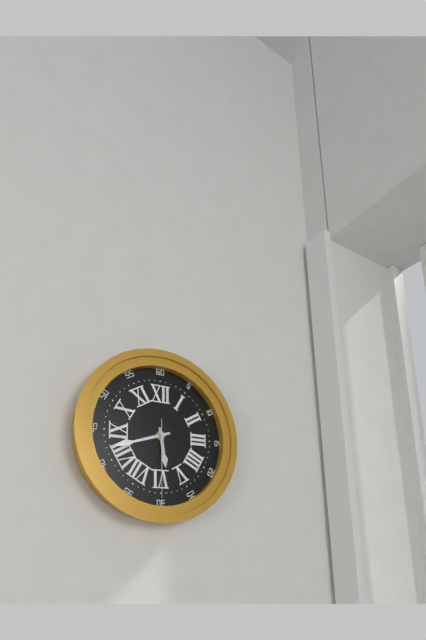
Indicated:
5.42.30
